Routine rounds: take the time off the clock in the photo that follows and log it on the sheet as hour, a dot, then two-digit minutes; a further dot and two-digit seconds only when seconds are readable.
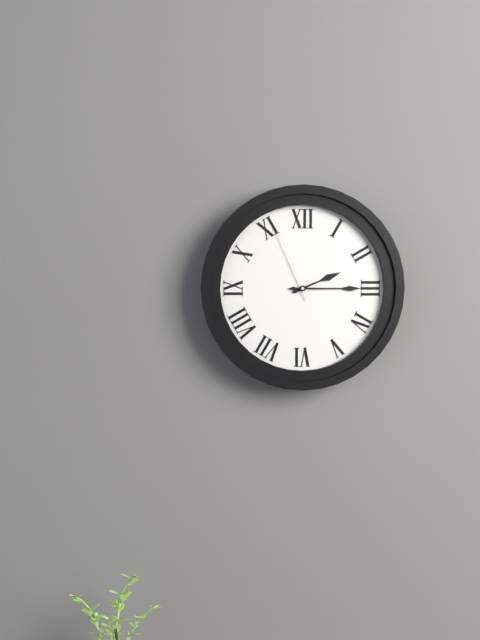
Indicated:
2.15.56
